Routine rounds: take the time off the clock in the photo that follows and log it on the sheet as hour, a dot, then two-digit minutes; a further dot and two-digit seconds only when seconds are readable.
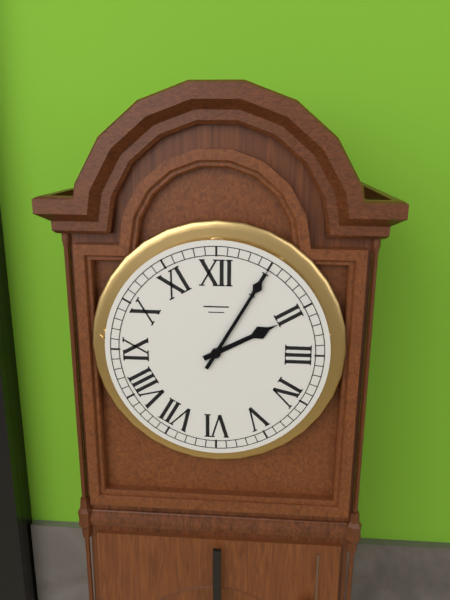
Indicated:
2.05
